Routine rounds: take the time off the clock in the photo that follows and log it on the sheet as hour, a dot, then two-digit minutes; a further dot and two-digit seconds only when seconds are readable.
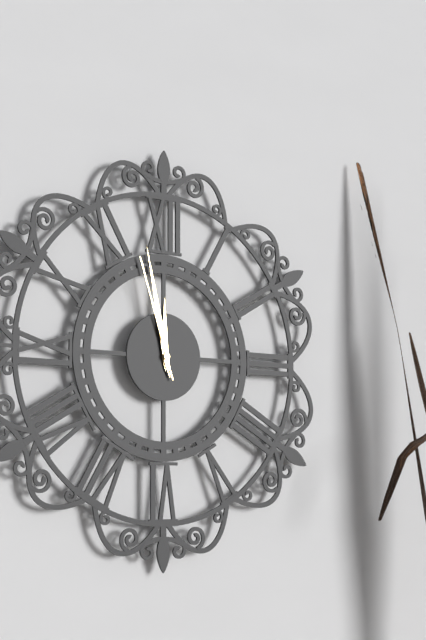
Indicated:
11.58.57
